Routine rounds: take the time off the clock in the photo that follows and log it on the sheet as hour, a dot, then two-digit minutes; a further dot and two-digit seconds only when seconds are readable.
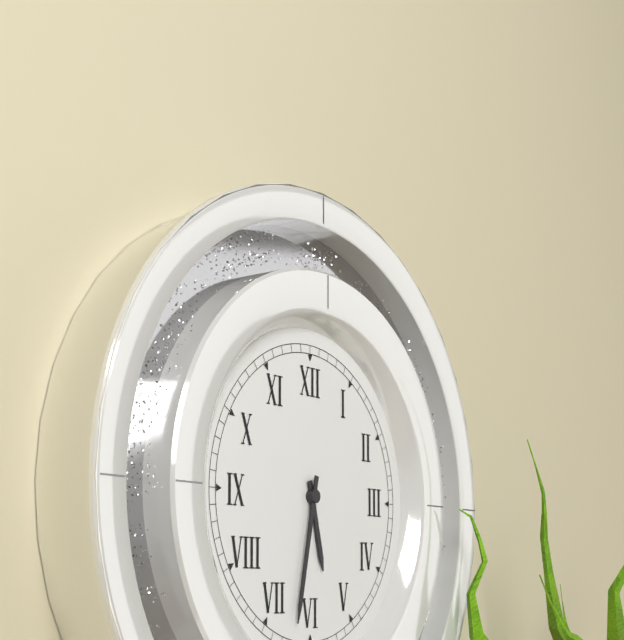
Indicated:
5.32
